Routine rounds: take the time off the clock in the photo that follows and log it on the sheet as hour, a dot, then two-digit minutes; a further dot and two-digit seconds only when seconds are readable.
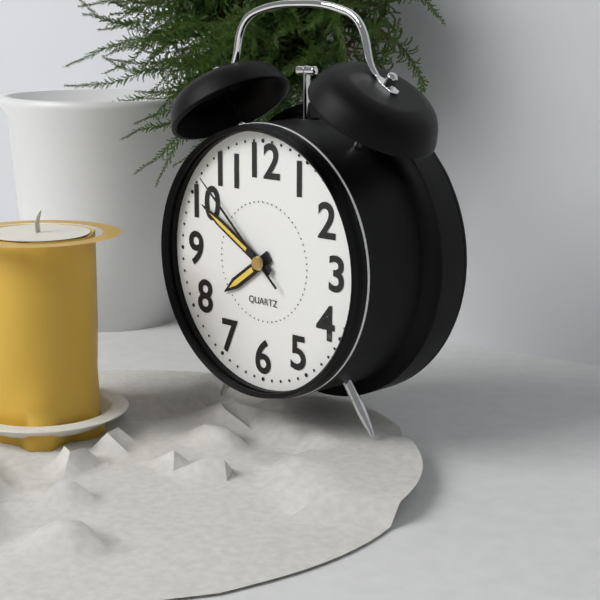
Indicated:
7.50.52
